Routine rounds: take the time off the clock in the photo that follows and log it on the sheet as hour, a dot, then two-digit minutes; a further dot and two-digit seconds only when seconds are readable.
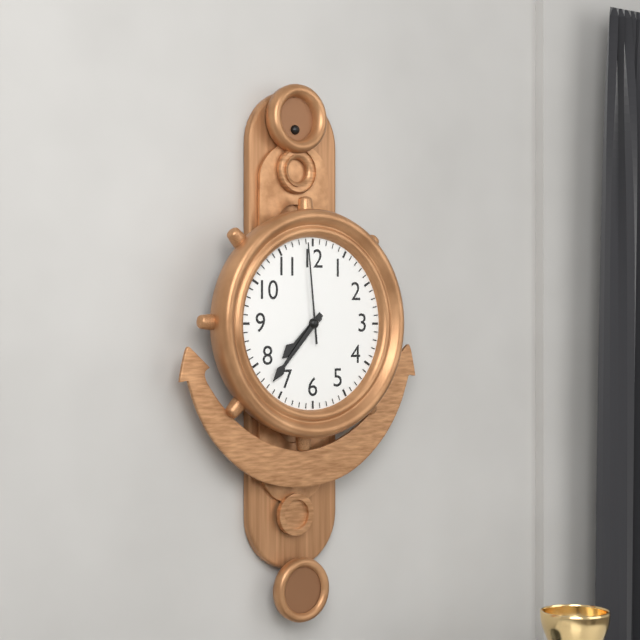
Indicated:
7.37.59
